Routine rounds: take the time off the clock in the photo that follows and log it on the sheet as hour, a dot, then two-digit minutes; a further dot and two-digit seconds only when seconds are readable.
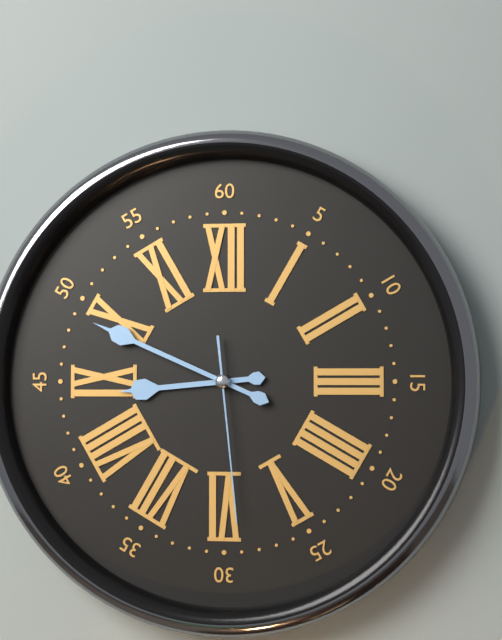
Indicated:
8.49.29
